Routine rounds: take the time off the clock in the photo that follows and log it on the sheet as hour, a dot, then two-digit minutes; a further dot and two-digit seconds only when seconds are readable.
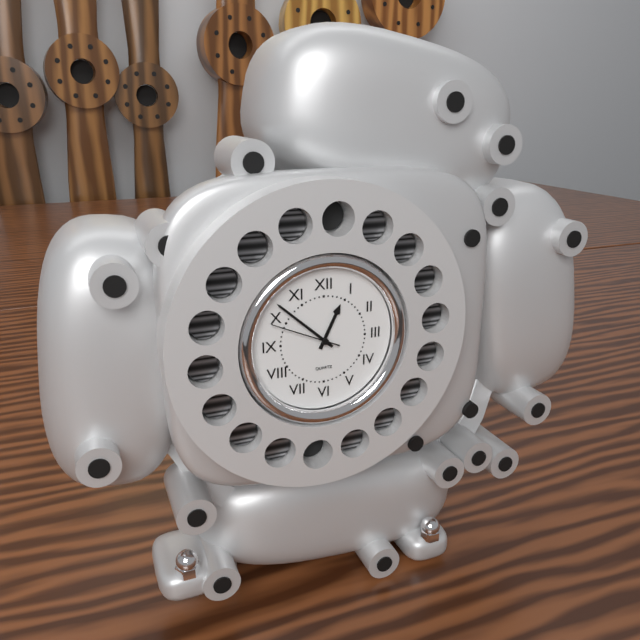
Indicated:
12.52.49
